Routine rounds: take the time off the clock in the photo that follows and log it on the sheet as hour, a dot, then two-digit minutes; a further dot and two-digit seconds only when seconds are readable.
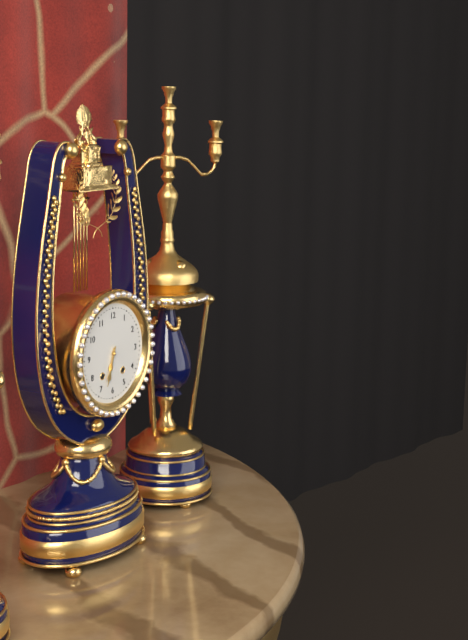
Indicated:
6.33
